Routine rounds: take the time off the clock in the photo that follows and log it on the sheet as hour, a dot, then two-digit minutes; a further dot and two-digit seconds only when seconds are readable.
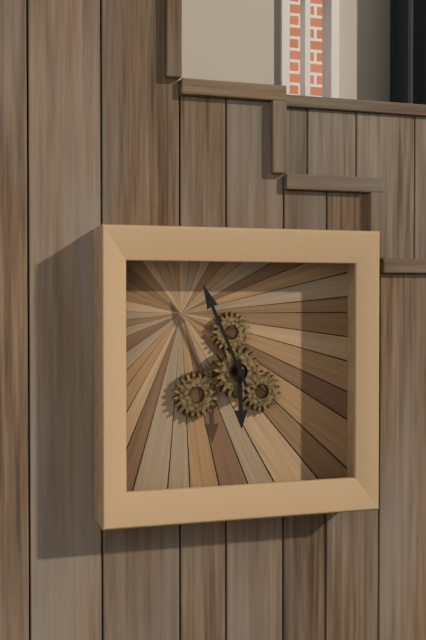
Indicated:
5.56
